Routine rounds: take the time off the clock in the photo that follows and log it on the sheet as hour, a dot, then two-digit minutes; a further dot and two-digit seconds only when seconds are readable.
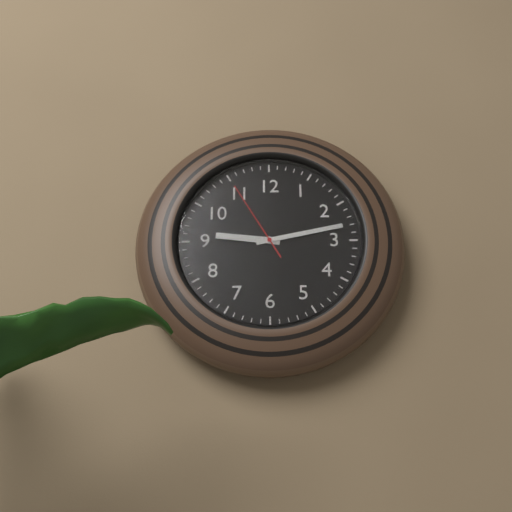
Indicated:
9.13.55
